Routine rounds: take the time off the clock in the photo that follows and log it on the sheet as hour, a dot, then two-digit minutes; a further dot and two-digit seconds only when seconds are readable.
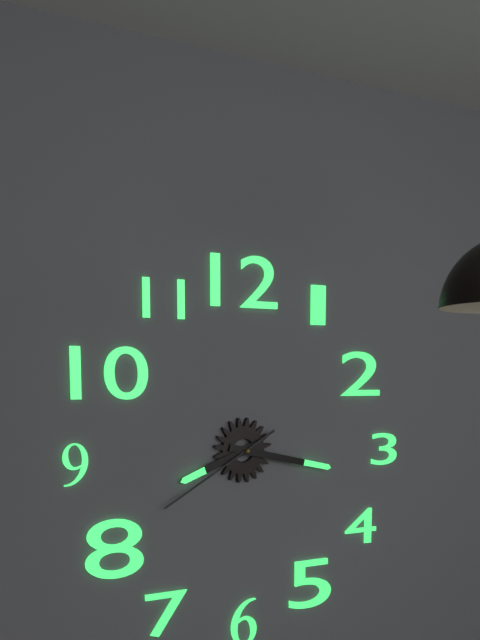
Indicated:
8.17.40
